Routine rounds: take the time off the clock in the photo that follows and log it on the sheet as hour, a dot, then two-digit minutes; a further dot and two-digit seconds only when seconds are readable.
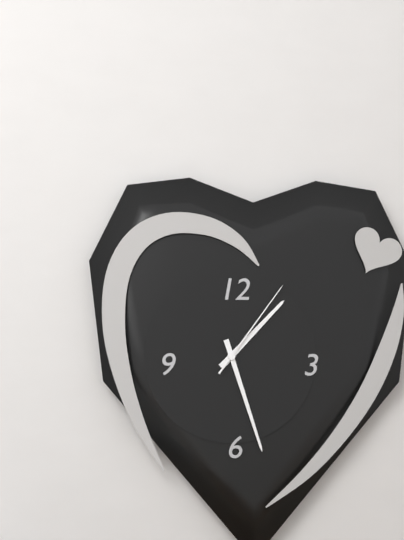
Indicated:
1.27.06
